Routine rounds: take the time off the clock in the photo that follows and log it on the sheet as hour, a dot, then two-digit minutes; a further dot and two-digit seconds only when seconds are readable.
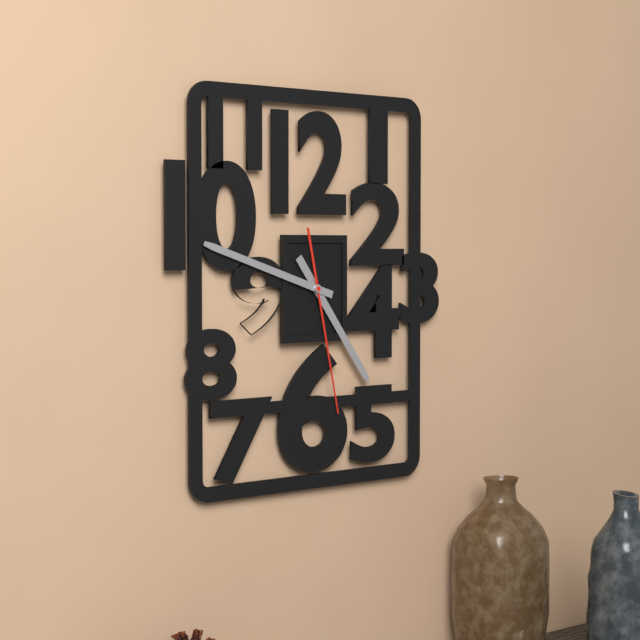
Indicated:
4.48.28
